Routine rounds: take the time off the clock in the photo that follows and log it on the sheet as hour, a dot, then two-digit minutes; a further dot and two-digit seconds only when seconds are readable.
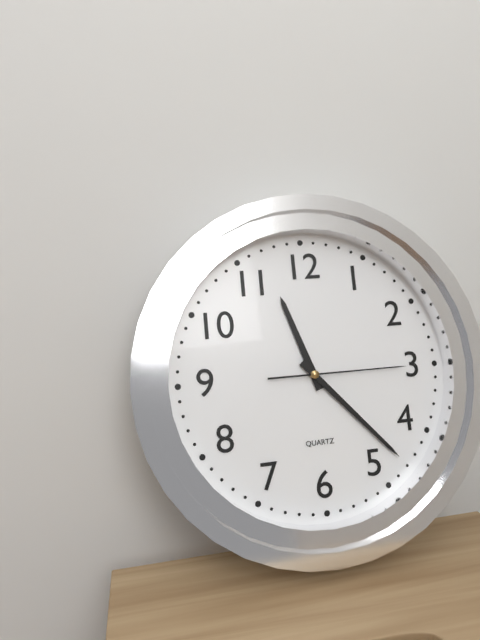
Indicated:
11.23.15
